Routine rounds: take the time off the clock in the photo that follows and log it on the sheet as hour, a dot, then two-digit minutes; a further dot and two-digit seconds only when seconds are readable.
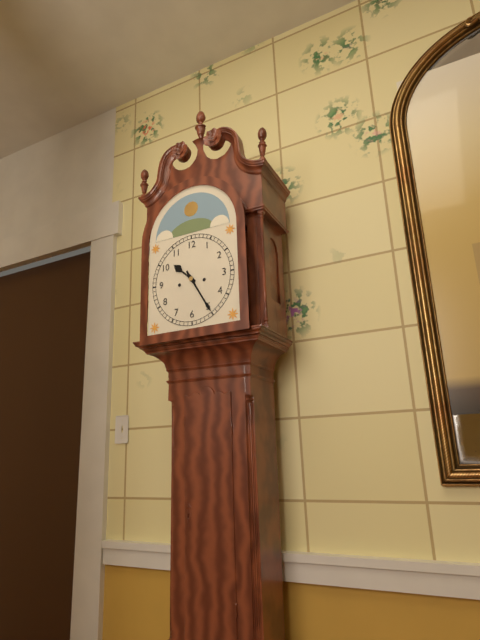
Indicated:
10.25
